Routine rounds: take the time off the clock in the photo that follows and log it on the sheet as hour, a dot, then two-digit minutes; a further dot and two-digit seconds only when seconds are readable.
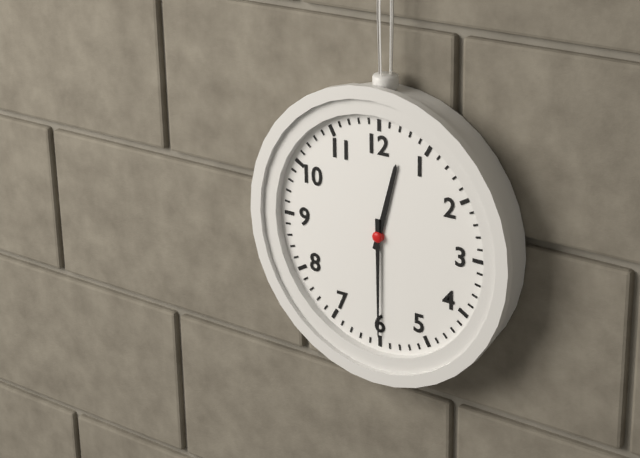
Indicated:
12.30
